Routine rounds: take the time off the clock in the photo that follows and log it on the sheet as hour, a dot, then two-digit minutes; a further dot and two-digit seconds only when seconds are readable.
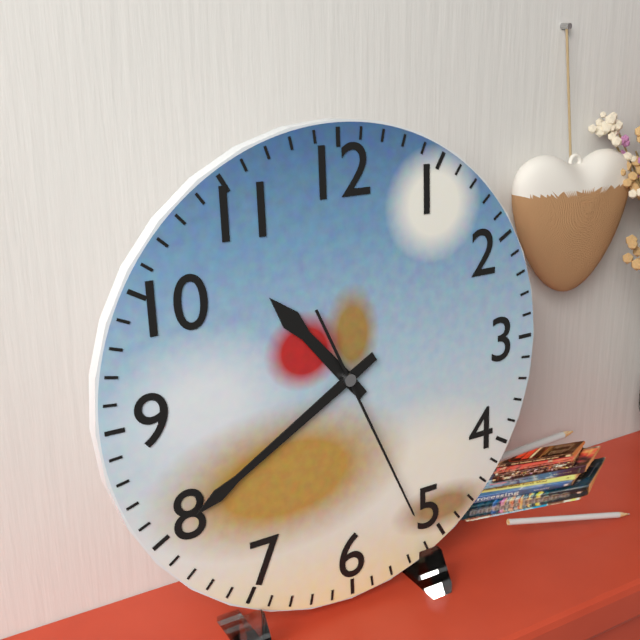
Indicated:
10.40.26
